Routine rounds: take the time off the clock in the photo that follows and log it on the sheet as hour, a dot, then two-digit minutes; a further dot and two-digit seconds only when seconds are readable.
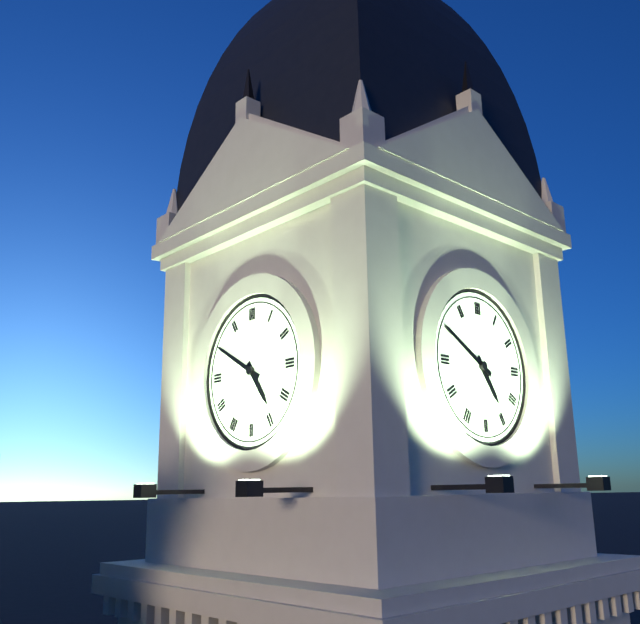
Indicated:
4.50
